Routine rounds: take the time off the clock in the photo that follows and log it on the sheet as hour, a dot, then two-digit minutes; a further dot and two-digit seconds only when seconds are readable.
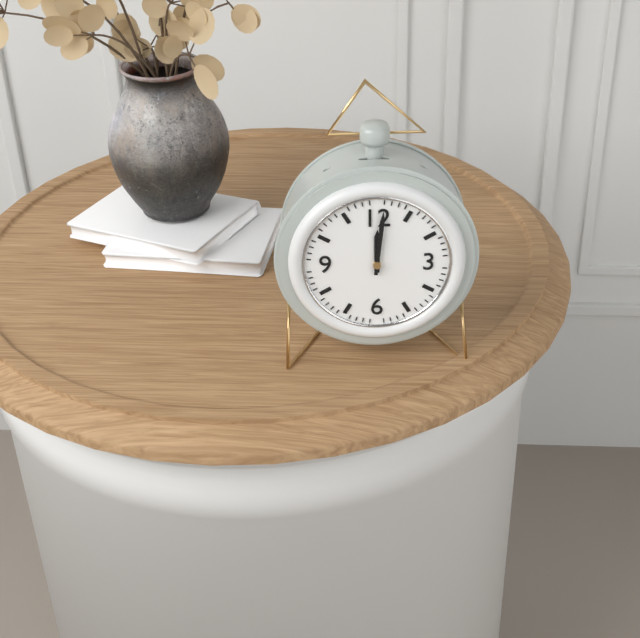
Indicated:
12.01
